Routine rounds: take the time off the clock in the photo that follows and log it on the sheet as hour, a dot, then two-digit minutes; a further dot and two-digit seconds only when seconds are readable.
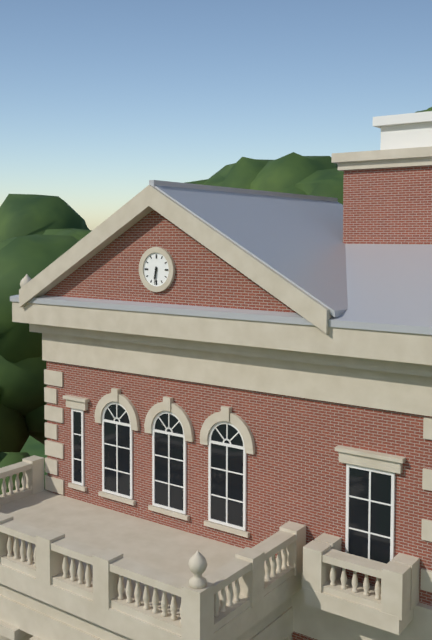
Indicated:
6.31
